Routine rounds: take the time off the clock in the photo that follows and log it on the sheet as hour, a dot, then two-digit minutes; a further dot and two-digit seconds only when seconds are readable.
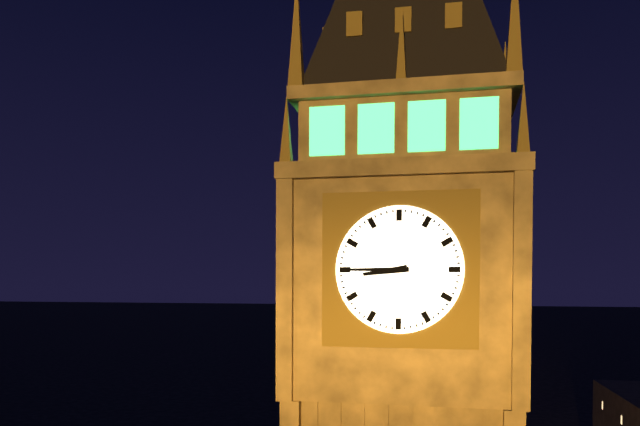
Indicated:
8.45
